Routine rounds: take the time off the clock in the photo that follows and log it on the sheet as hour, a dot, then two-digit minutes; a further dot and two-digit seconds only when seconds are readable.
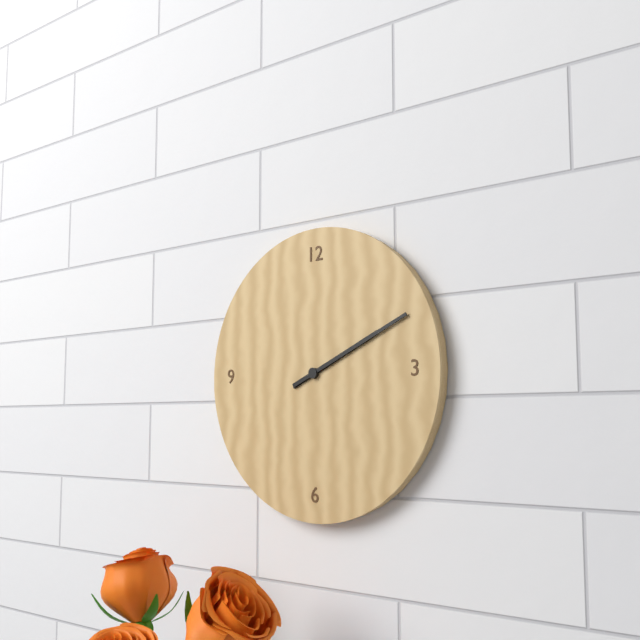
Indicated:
2.11
